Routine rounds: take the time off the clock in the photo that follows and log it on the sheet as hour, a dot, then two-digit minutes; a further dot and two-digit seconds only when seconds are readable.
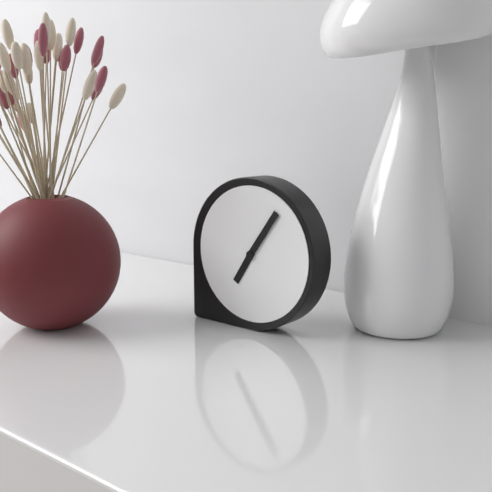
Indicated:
7.06
